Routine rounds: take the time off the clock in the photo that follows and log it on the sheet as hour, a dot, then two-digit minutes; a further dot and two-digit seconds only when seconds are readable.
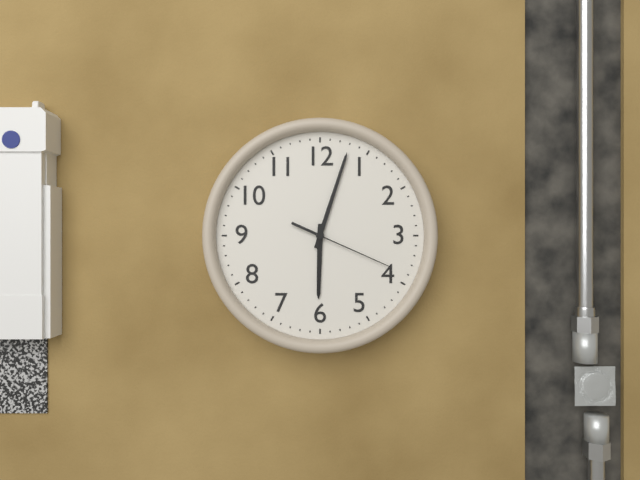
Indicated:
6.03.19
